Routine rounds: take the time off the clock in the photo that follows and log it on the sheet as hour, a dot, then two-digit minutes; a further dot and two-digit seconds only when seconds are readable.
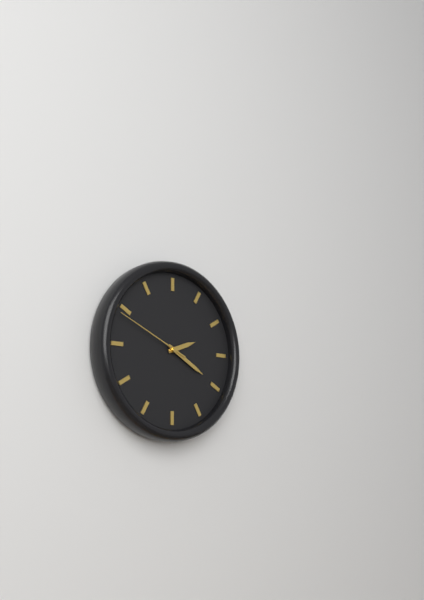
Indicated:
2.20.49
